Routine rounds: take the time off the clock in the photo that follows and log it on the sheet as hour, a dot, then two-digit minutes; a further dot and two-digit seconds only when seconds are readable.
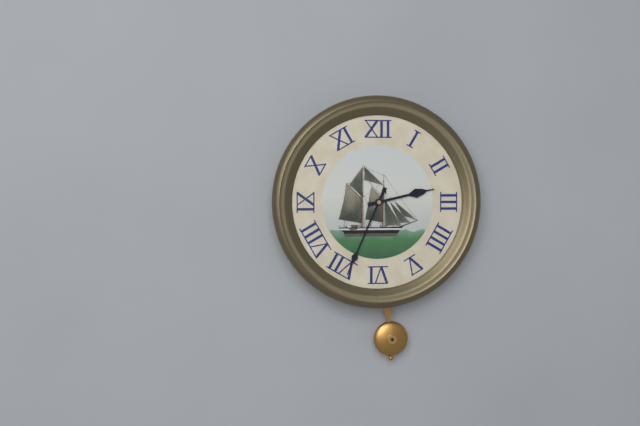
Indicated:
2.34
